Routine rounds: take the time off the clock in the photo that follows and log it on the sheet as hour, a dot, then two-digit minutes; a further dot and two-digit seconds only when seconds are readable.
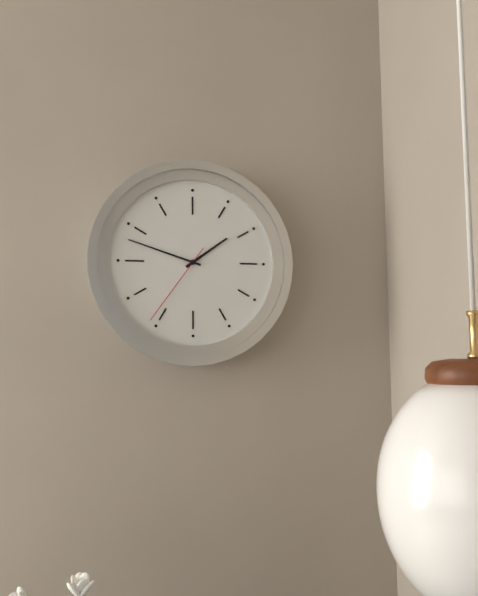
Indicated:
1.48.36
